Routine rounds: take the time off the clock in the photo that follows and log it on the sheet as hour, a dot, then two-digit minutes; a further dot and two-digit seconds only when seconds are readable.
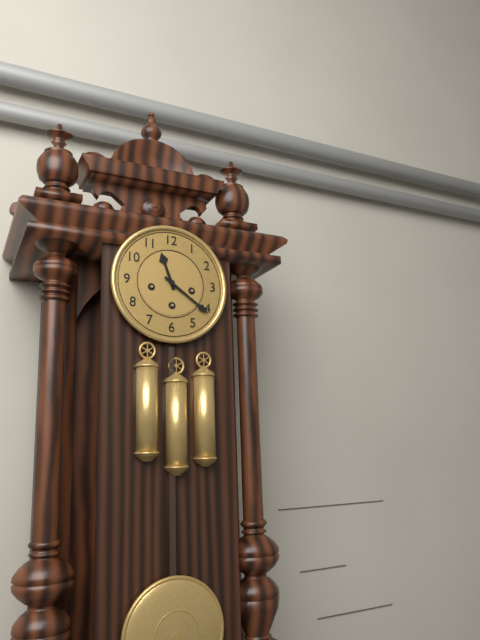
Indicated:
11.21
